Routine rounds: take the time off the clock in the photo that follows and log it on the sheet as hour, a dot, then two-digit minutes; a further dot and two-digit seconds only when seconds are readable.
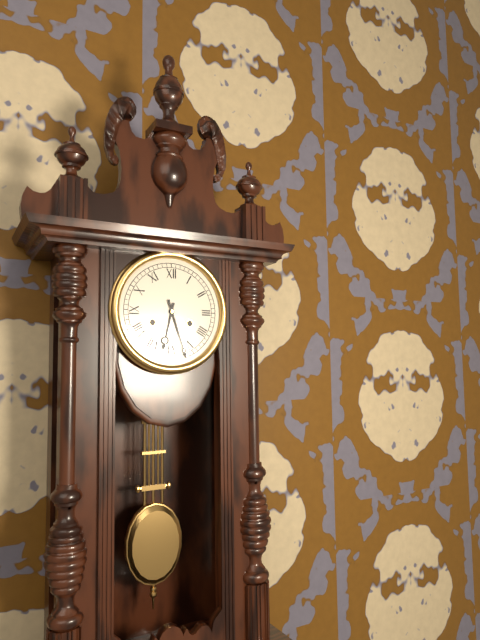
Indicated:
6.27
